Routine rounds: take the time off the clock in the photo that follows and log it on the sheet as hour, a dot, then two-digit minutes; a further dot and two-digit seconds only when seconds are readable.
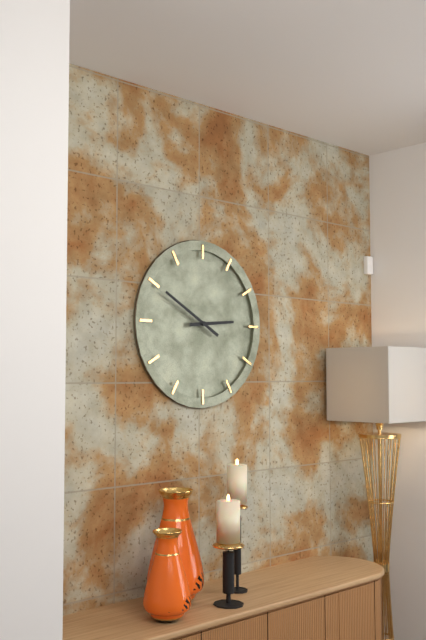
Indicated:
2.50
